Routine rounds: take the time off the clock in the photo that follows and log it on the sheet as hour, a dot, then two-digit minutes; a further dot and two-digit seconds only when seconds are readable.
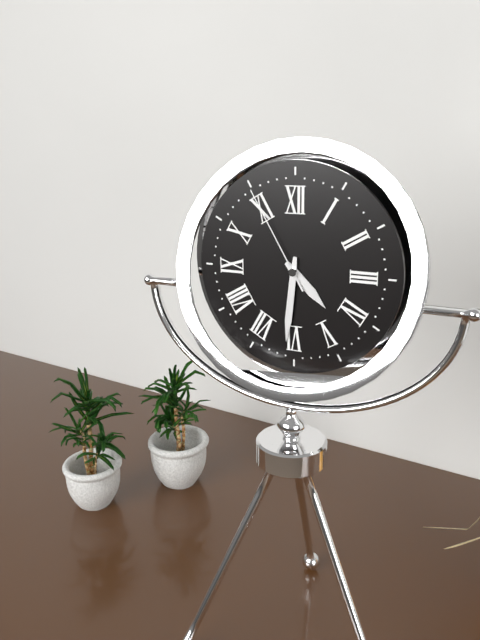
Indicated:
4.31.55
